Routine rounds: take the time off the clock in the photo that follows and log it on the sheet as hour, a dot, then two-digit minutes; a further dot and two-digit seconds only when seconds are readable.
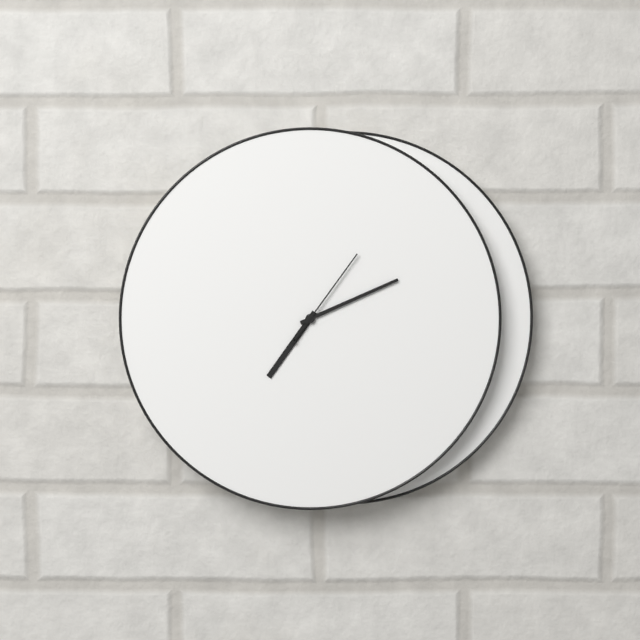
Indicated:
7.11.06
